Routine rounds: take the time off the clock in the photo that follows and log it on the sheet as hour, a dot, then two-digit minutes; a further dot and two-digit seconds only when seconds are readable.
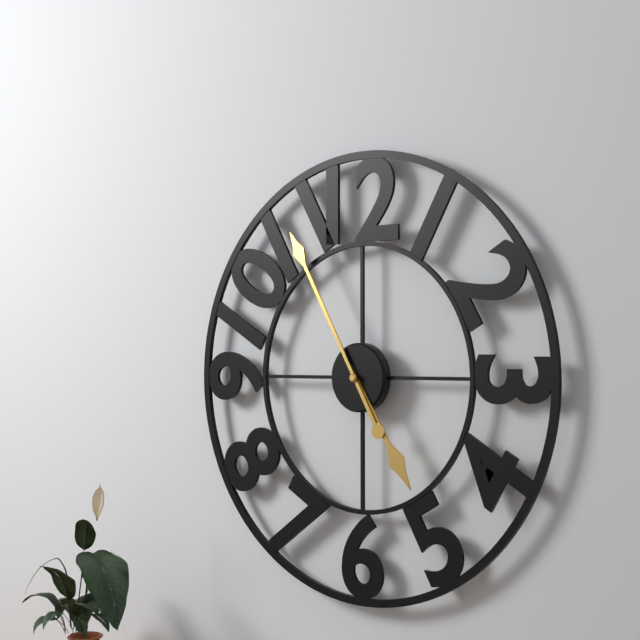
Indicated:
4.55
